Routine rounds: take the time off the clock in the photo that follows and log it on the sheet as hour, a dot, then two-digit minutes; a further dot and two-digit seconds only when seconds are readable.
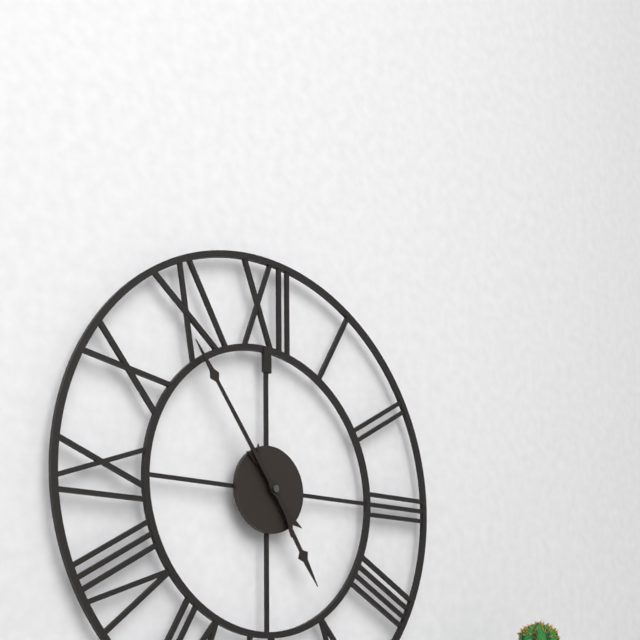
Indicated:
4.54
